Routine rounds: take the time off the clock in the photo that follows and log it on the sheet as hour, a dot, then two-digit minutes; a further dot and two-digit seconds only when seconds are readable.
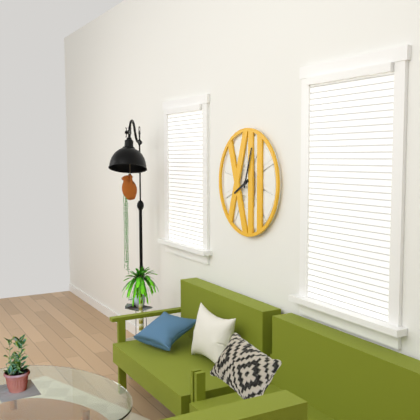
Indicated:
8.03
